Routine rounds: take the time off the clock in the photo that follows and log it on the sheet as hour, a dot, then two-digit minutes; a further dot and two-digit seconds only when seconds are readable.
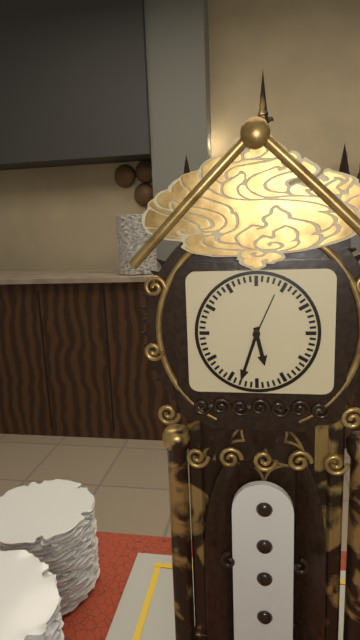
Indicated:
5.33.04
